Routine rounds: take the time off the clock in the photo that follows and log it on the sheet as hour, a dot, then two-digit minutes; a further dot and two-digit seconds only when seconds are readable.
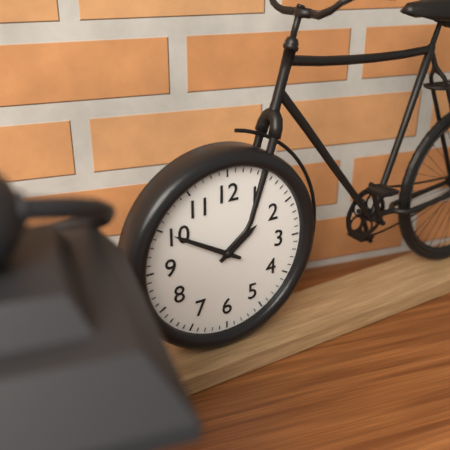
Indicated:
1.50
